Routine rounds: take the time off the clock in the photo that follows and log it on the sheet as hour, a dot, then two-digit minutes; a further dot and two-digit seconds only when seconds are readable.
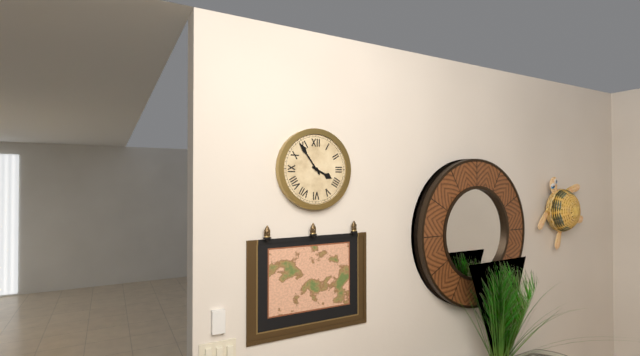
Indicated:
3.54
